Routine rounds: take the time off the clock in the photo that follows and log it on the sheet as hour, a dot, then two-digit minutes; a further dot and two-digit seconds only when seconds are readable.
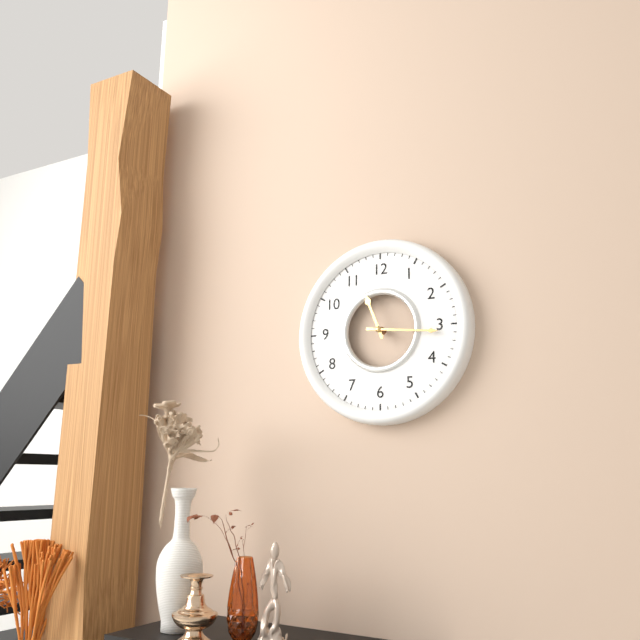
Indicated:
11.16
